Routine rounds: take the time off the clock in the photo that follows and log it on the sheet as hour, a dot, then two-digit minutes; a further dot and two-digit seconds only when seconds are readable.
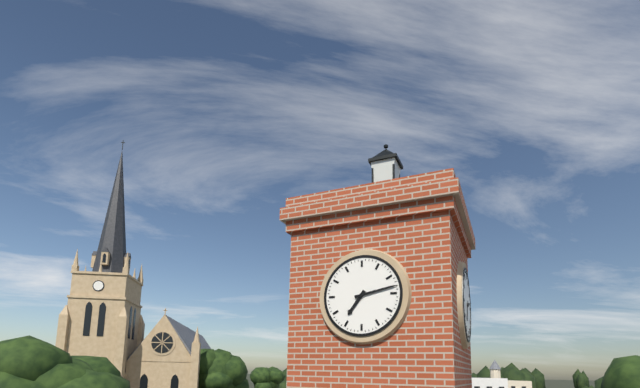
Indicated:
7.13
